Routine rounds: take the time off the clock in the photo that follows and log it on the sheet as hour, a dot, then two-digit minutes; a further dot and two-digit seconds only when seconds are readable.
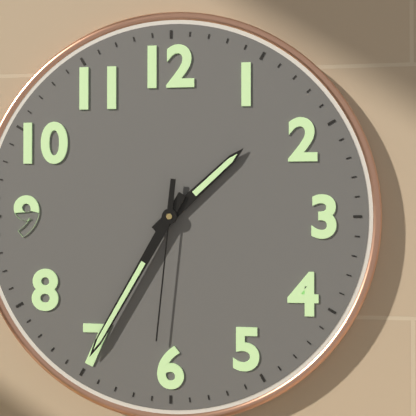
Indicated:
1.35.31
